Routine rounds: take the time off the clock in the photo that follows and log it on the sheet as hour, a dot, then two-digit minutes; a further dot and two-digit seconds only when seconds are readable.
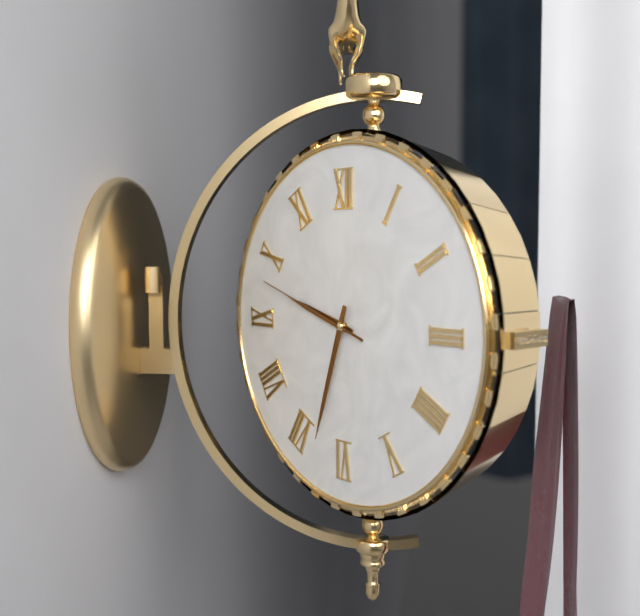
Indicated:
9.33.48
